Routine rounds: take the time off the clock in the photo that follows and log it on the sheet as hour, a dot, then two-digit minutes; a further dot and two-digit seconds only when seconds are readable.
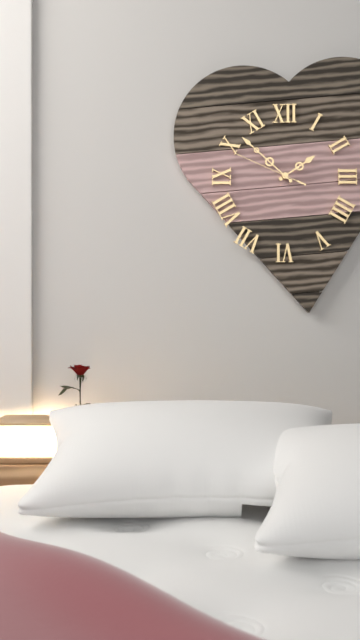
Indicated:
1.52.49
